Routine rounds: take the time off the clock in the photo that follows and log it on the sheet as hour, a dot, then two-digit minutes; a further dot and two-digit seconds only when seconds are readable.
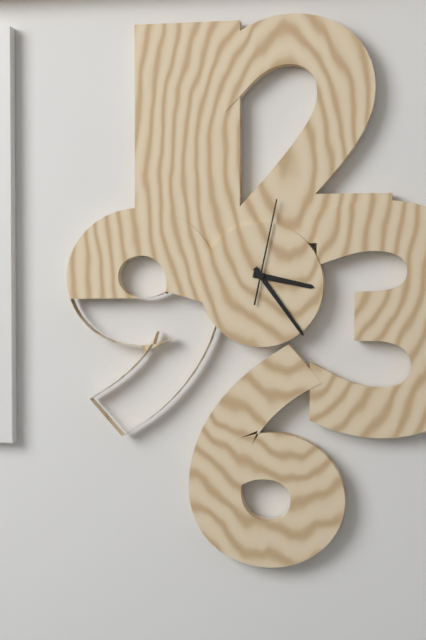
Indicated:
3.24.02
